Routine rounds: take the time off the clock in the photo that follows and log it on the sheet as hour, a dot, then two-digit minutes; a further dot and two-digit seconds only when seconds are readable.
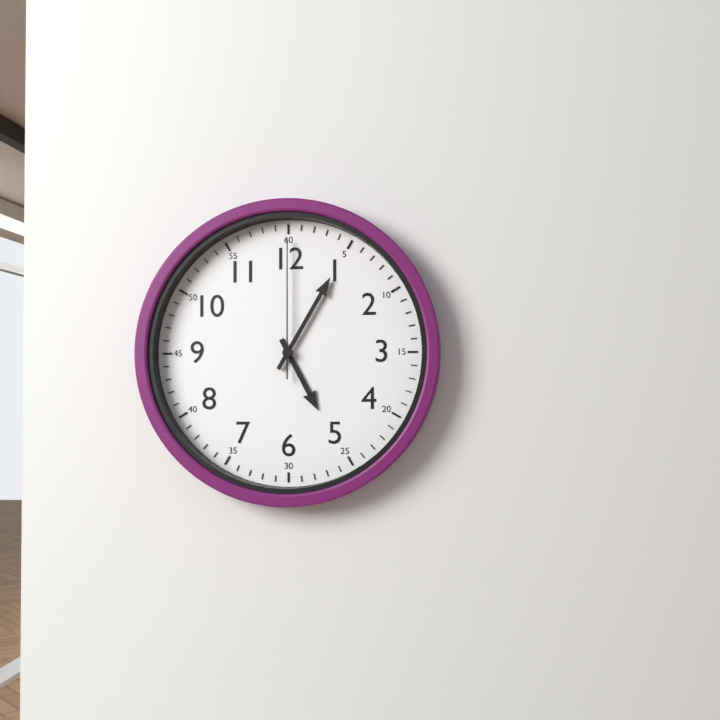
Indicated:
5.05.00
